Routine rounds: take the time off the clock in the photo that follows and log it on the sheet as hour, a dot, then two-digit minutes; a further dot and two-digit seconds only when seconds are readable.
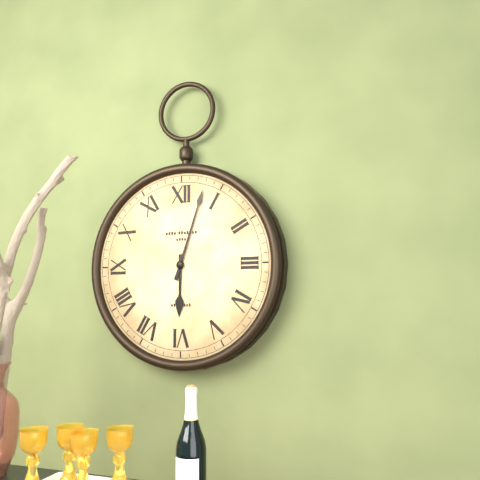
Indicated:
6.03
